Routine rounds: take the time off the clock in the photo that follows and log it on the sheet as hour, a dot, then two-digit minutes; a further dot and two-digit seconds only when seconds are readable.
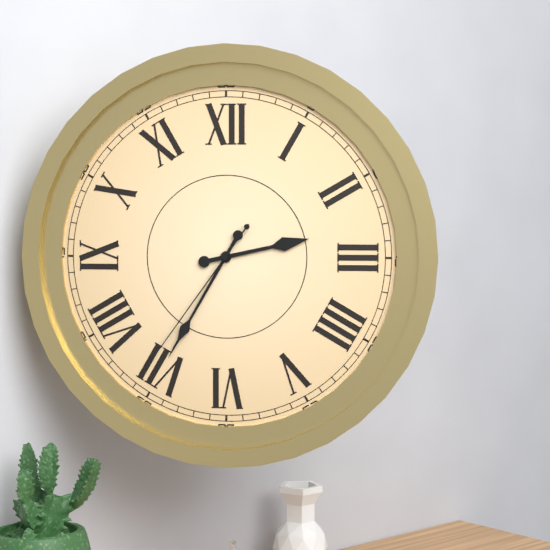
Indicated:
2.35.36
